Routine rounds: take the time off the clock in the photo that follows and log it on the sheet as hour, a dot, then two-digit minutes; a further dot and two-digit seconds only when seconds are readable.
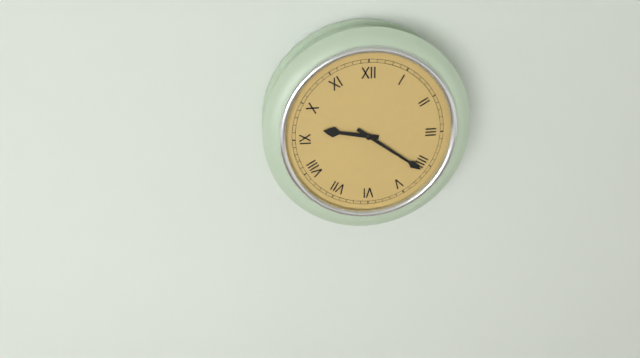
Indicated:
9.21
